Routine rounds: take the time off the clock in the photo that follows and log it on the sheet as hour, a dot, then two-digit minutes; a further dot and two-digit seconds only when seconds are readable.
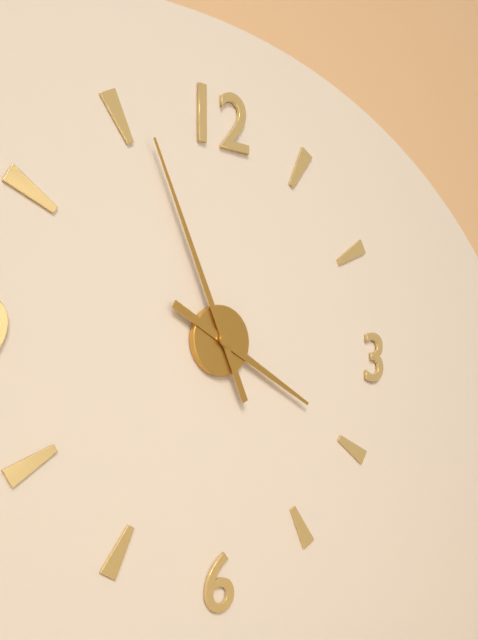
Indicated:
3.56
